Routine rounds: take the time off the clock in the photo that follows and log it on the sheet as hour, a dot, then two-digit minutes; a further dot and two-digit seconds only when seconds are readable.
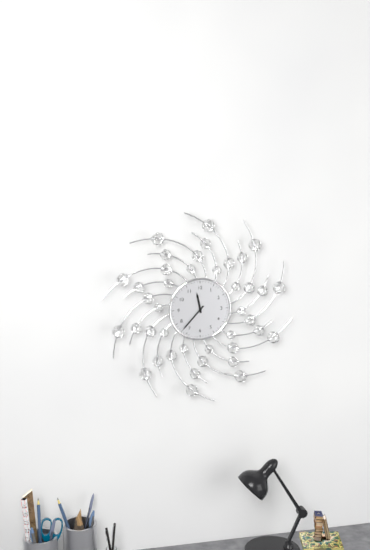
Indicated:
11.37
